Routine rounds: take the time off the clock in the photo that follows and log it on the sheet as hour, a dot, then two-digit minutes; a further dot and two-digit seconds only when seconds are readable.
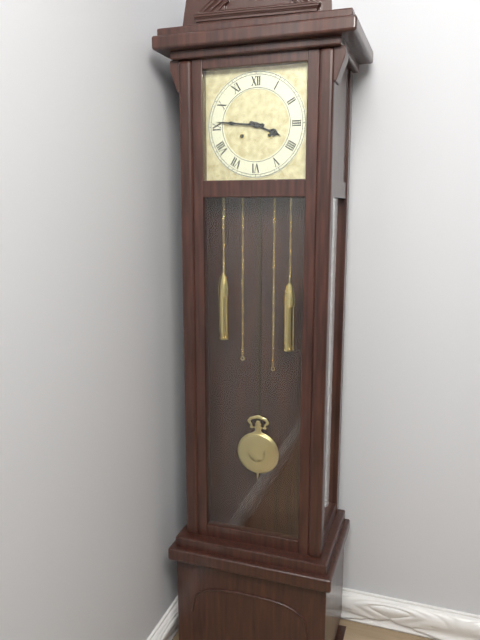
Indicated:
3.46
